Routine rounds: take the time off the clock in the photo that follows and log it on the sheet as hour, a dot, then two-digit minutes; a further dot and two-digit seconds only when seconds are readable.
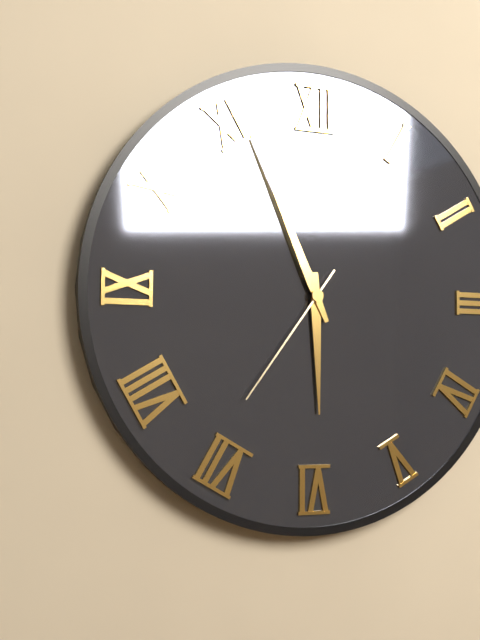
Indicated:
5.56.36
